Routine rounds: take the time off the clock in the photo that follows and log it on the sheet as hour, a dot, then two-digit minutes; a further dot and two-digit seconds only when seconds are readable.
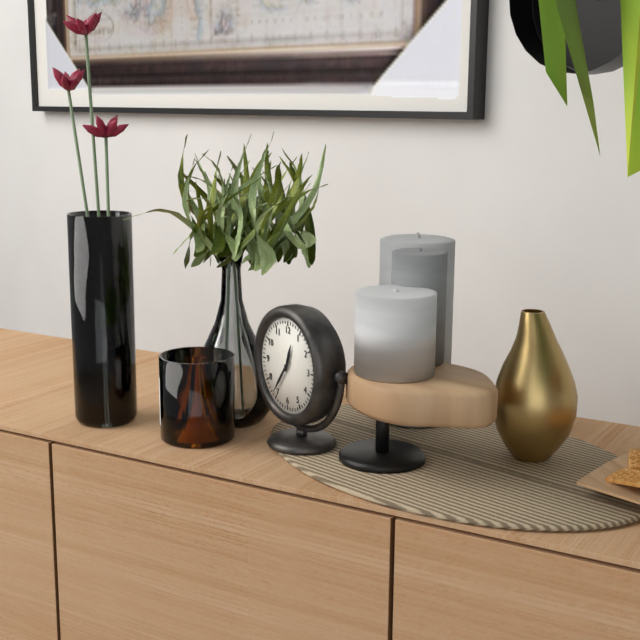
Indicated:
12.36
